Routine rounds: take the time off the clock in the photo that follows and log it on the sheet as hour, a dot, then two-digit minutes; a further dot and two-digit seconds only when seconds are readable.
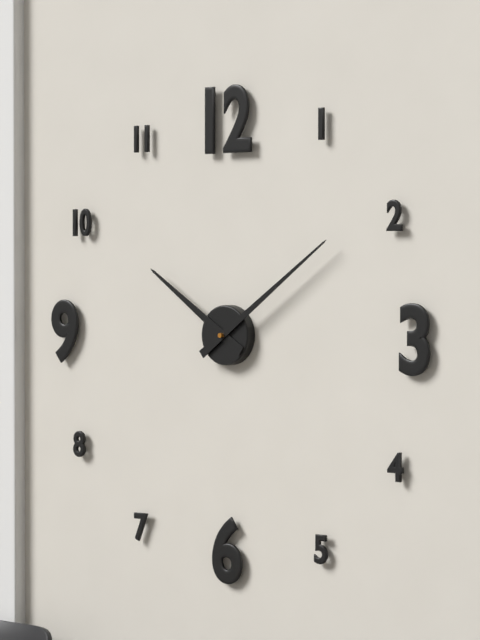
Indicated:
10.09
